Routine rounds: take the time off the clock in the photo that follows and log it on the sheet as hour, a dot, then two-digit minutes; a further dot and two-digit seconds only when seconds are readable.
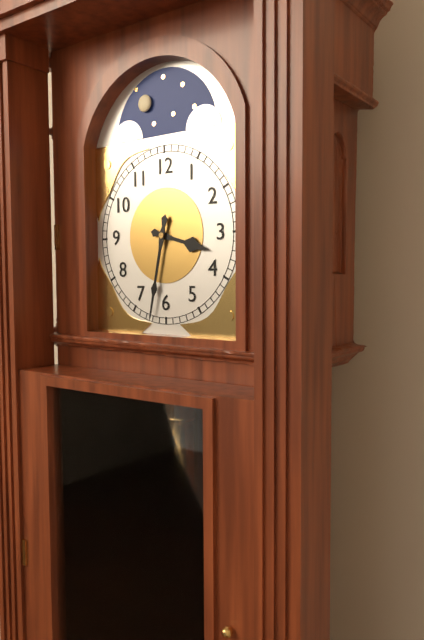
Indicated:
3.32
